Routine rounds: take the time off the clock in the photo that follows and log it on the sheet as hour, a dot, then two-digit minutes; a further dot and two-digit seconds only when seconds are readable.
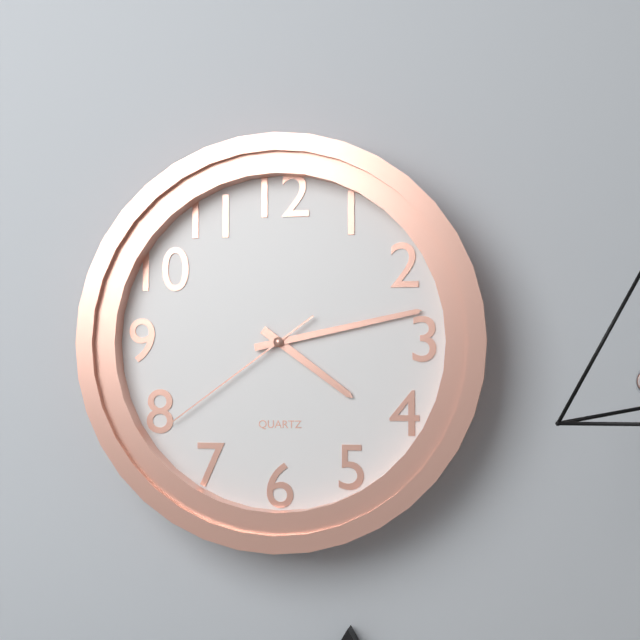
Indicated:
4.13.39
